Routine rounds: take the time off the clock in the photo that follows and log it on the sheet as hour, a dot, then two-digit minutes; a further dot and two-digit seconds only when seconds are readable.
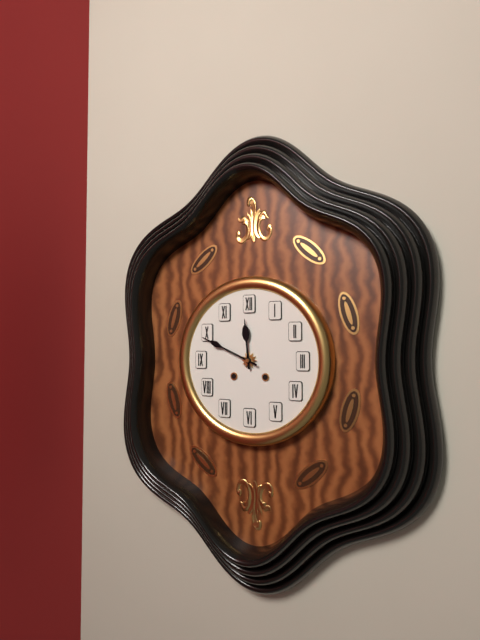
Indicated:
11.49
